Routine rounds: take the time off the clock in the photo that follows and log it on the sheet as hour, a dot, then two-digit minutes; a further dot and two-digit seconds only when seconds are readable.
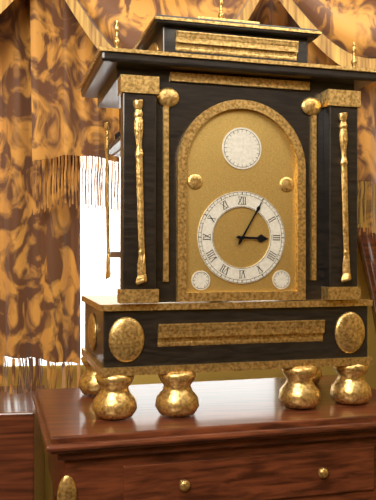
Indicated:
3.05
